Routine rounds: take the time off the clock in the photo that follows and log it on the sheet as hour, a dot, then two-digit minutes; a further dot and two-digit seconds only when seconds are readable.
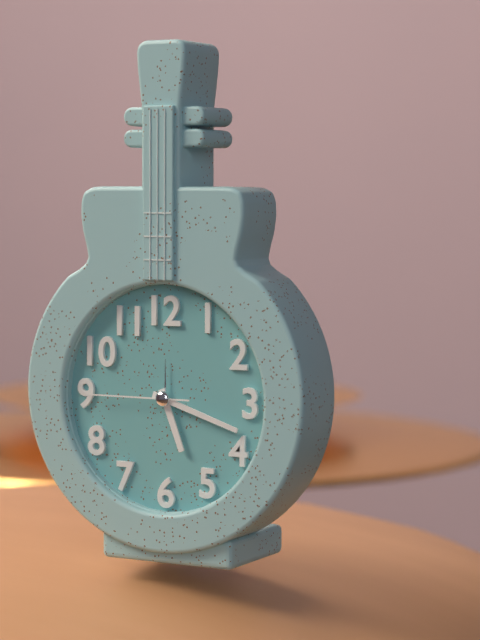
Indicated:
5.18.45
